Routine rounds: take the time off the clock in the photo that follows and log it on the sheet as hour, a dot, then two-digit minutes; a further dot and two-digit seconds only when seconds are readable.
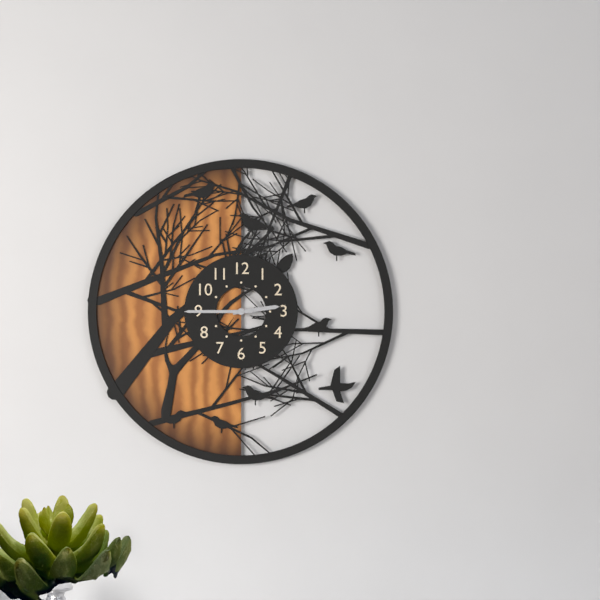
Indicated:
2.45
